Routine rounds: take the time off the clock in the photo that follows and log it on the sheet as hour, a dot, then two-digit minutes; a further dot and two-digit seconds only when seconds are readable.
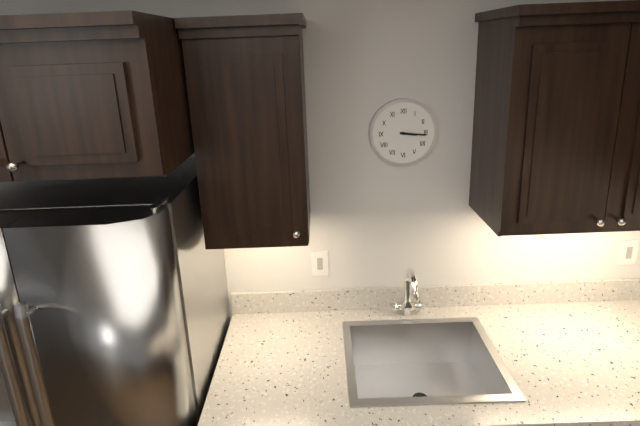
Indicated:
3.16
